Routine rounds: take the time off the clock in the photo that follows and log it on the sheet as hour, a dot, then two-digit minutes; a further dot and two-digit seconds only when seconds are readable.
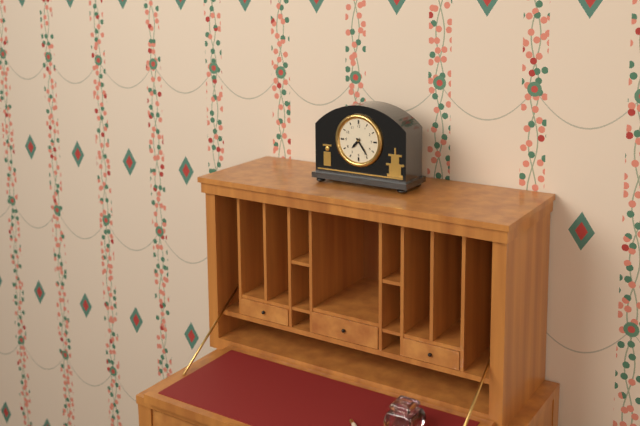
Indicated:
7.24
